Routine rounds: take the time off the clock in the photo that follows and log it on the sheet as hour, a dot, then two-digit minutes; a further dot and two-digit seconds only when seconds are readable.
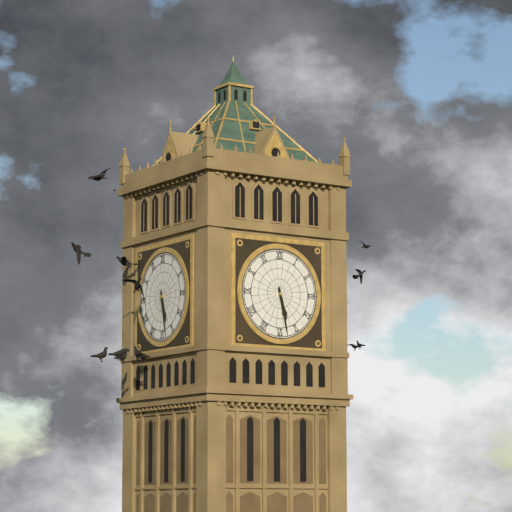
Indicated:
5.28
